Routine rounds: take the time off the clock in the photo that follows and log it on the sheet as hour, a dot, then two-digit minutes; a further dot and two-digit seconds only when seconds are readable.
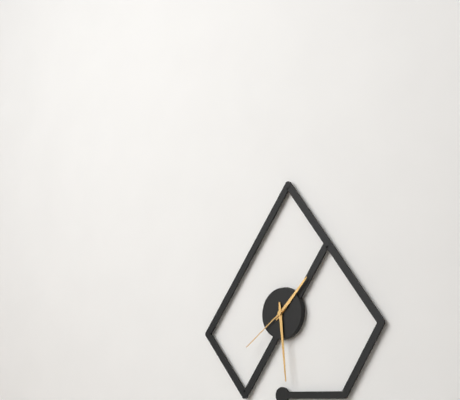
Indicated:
1.29.39
